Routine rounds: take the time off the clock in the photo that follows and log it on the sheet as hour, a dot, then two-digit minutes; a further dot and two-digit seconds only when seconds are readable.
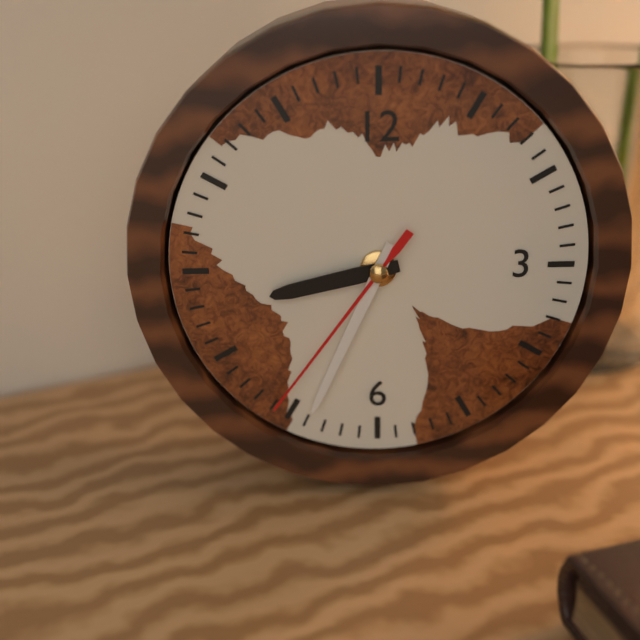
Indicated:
8.34.36
